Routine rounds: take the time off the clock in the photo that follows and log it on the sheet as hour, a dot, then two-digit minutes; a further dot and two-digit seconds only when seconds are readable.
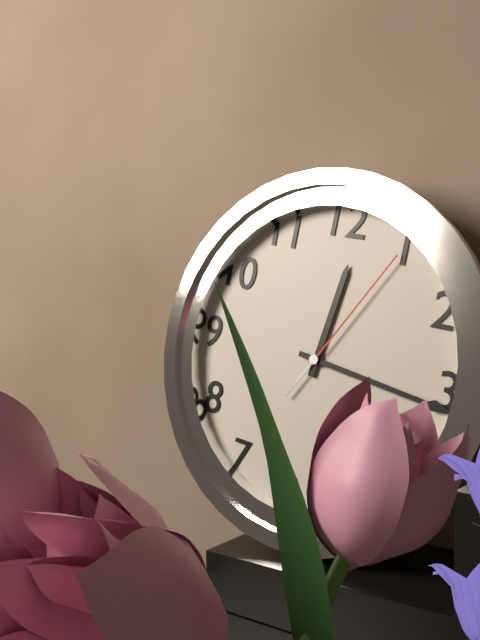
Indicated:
12.16.05
